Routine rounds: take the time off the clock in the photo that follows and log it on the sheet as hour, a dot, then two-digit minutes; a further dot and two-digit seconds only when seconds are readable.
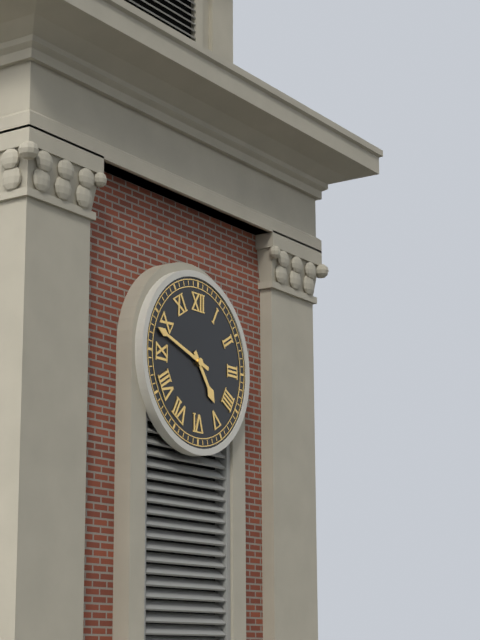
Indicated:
4.48
